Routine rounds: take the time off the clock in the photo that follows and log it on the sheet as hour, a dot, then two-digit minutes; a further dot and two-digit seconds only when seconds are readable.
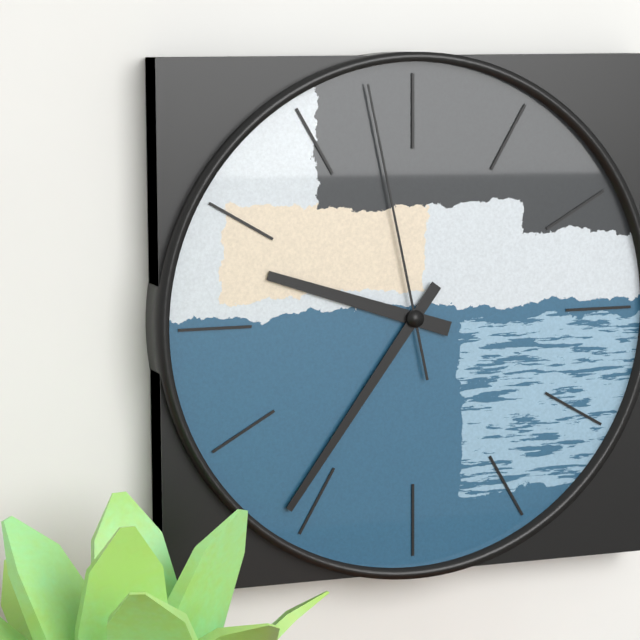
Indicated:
9.36.58
